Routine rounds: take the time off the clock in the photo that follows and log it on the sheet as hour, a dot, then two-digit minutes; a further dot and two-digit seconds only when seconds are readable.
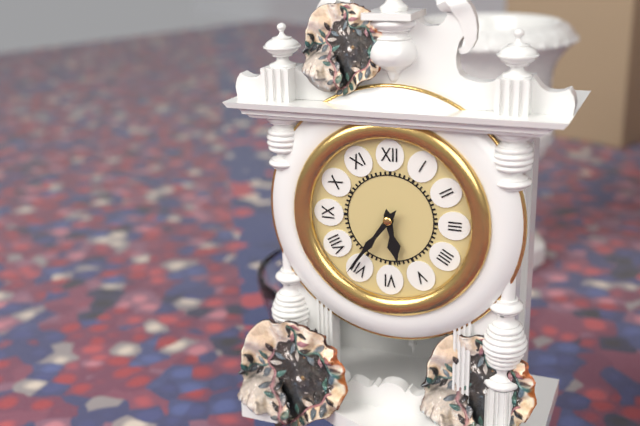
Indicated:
5.36
